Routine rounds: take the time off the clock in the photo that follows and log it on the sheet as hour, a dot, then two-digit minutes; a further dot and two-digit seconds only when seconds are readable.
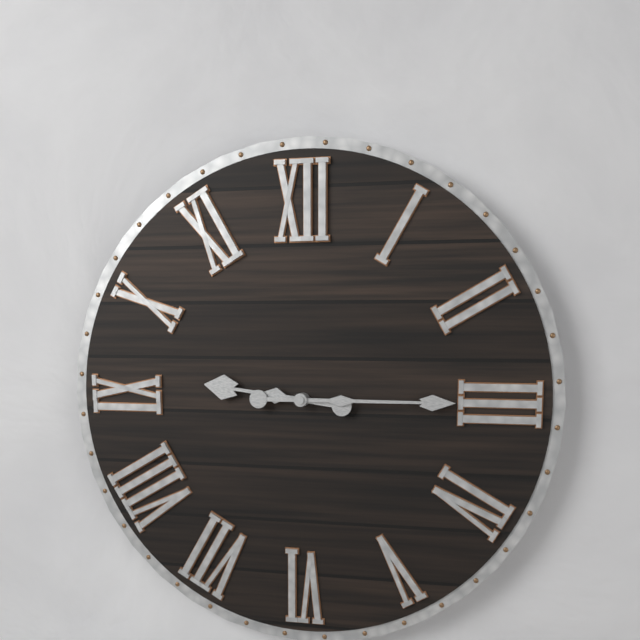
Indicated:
9.15
